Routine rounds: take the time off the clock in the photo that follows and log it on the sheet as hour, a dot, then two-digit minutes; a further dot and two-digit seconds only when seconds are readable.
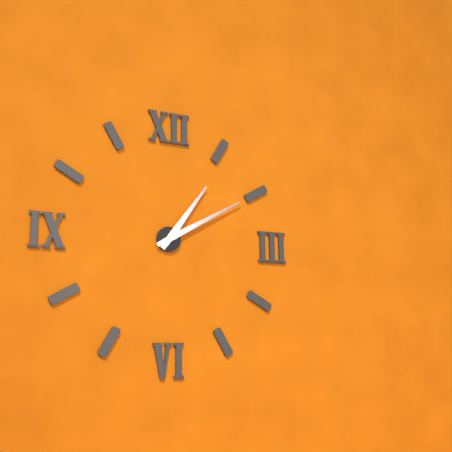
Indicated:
1.10
